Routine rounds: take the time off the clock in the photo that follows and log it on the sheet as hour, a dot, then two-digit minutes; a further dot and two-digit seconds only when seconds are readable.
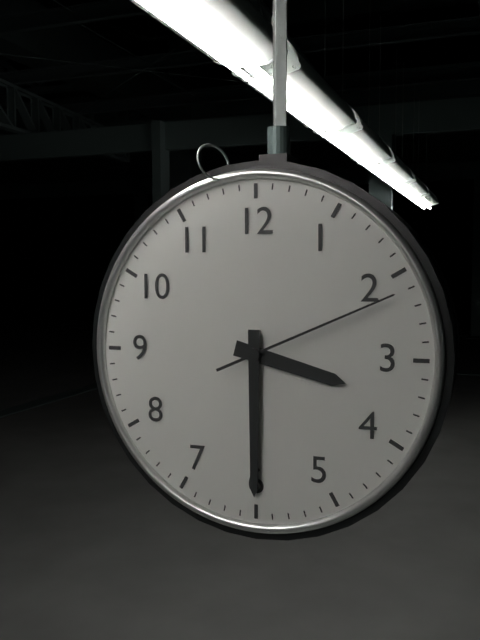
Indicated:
3.30.11
